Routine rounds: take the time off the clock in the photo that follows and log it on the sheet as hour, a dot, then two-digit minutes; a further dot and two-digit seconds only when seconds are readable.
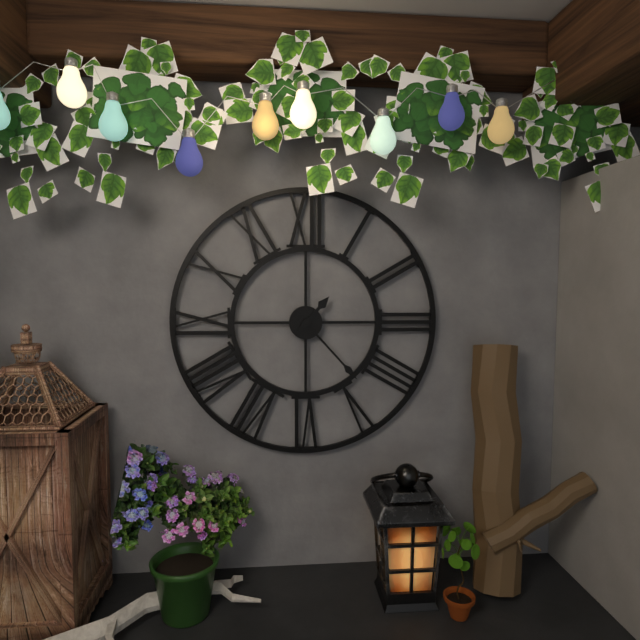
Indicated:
1.23
